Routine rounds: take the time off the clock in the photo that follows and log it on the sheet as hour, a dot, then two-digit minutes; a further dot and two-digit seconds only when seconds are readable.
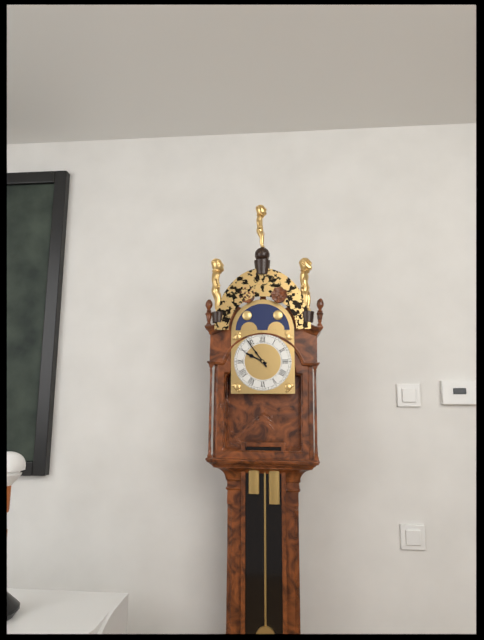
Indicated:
9.54
